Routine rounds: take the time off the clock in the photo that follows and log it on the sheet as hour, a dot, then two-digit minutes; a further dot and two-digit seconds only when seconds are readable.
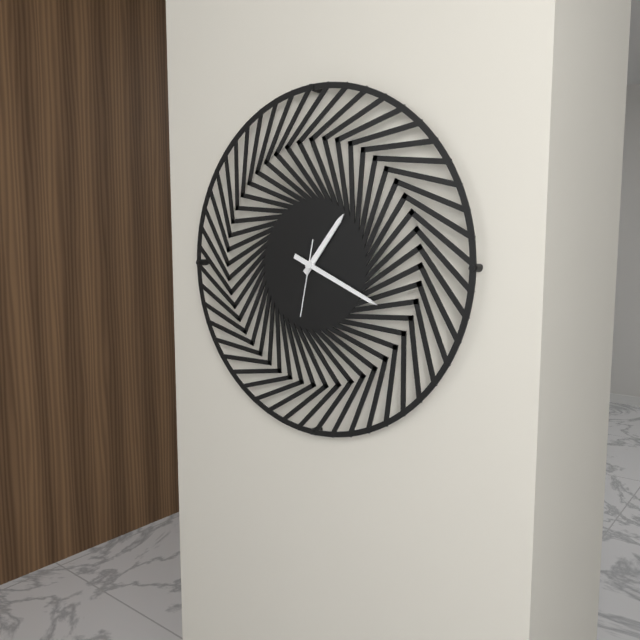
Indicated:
1.19.32
